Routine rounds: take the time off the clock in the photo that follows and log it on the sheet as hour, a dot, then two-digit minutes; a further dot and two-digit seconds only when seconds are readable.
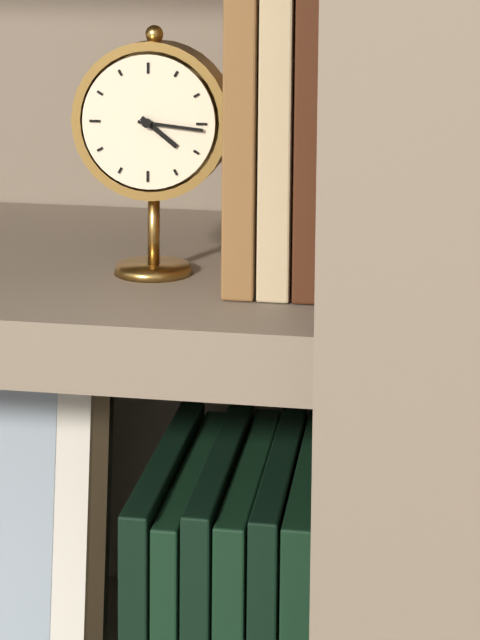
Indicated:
4.16
